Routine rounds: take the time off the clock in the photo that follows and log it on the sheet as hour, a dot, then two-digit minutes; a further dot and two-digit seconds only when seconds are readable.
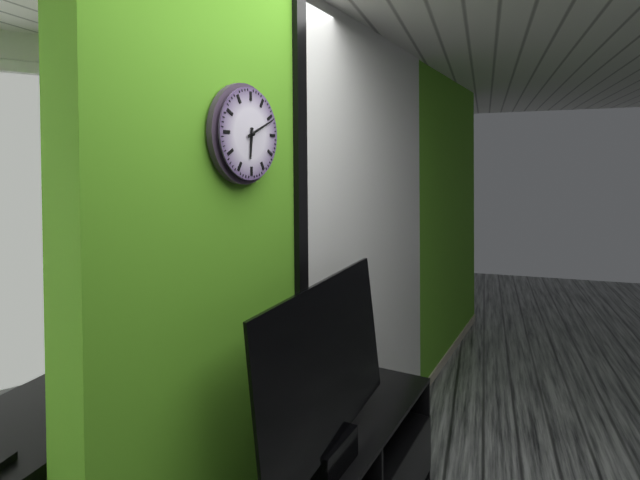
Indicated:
6.11
